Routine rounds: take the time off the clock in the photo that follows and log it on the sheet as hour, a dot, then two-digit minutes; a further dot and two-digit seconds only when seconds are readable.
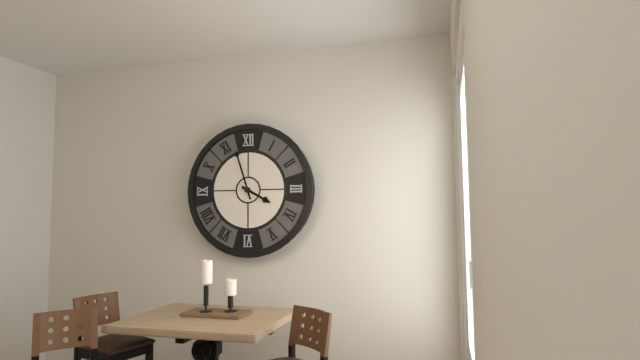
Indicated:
3.57
